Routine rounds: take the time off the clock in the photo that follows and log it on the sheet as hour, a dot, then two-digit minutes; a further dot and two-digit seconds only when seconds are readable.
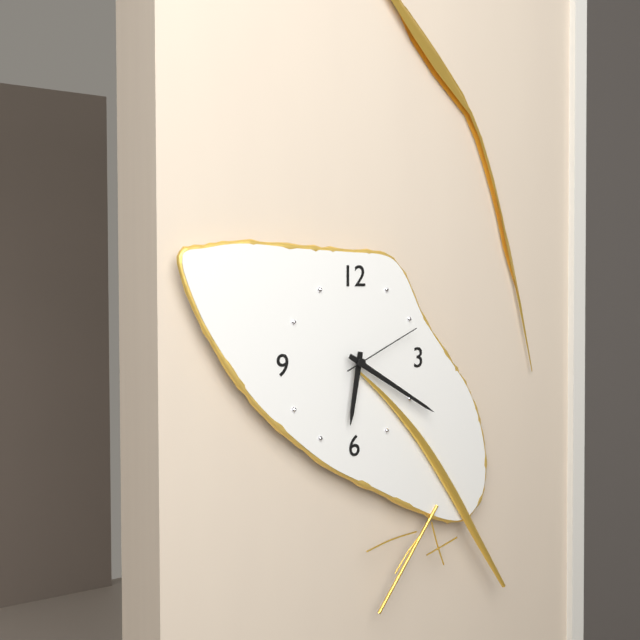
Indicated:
6.20.11
